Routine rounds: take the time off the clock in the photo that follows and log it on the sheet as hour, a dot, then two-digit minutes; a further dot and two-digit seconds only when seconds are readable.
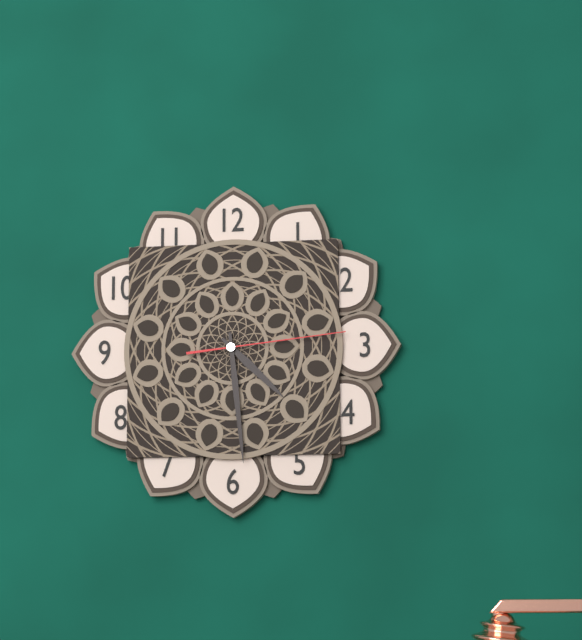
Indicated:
4.29.14
